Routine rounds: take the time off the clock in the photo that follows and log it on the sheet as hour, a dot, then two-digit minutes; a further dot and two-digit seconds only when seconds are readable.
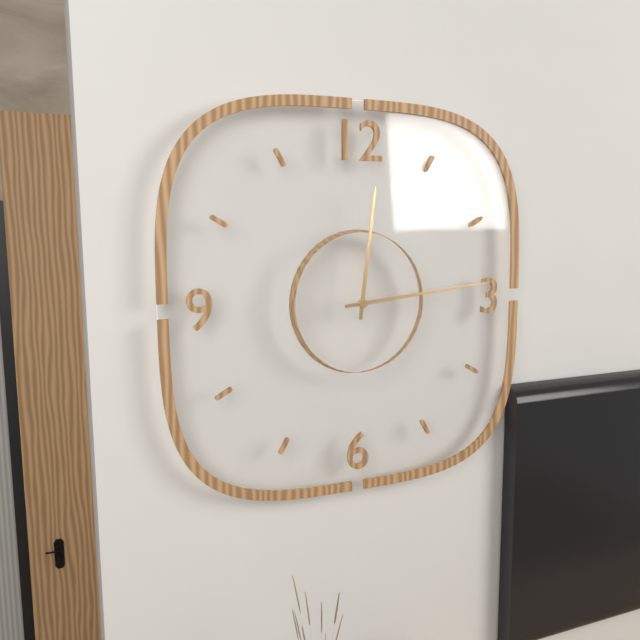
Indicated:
12.14
